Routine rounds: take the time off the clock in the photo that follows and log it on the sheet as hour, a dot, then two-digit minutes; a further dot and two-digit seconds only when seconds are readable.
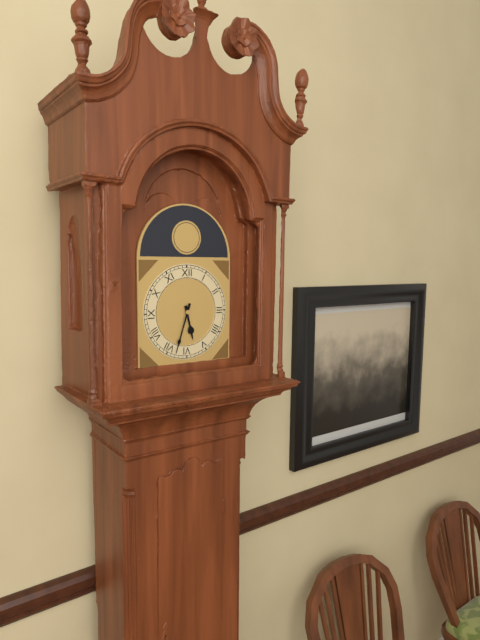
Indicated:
5.33
